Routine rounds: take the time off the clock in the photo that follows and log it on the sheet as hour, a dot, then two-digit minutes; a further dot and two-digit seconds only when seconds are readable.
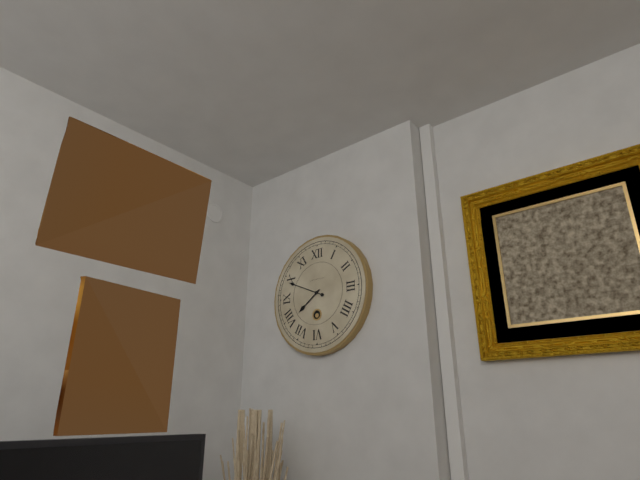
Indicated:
7.49
